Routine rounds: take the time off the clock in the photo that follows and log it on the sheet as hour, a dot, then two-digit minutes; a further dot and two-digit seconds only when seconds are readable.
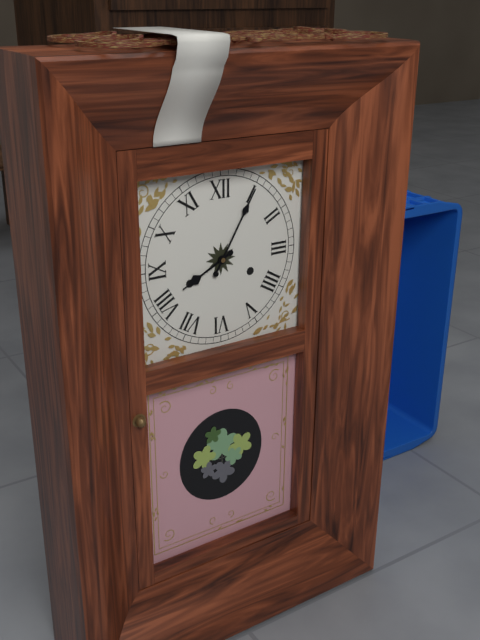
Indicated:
8.05
